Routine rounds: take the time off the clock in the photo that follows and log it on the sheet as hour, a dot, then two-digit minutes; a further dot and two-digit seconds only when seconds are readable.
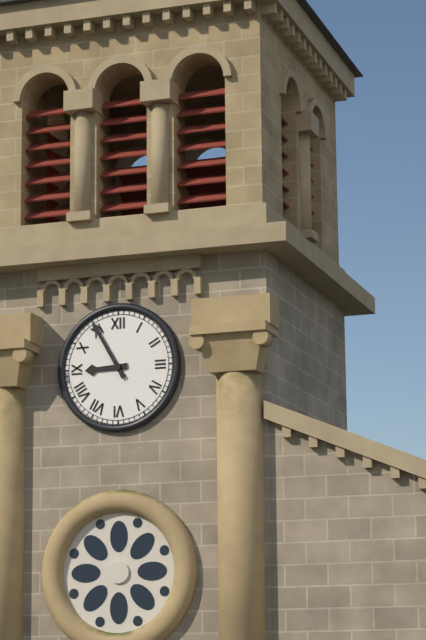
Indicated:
8.55
